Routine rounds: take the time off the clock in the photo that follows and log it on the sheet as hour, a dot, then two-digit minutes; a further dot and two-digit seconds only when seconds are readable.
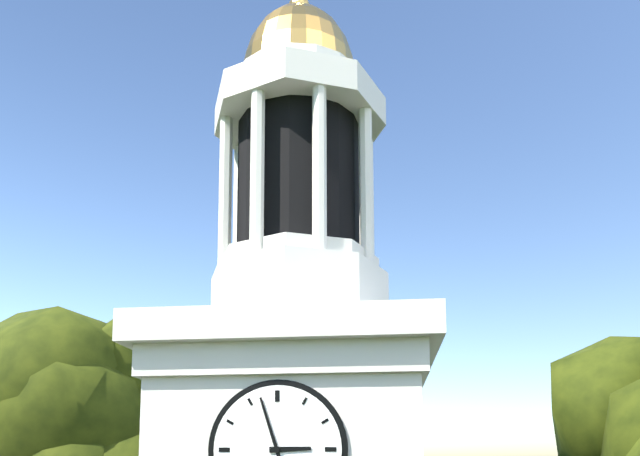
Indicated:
2.57
